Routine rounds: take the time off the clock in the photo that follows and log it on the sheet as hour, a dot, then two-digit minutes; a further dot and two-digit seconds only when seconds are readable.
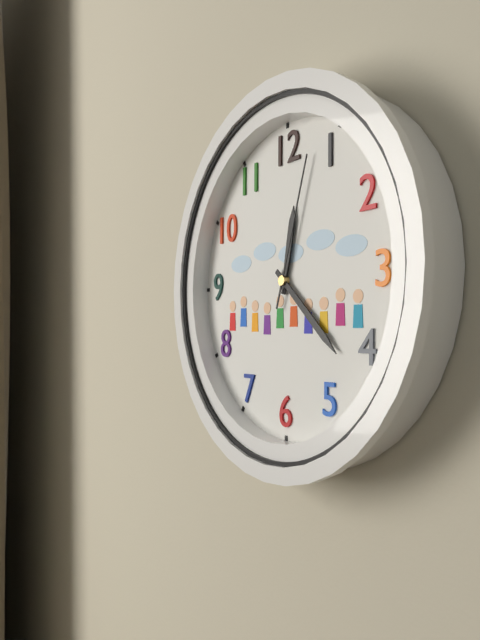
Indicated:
12.22.03
